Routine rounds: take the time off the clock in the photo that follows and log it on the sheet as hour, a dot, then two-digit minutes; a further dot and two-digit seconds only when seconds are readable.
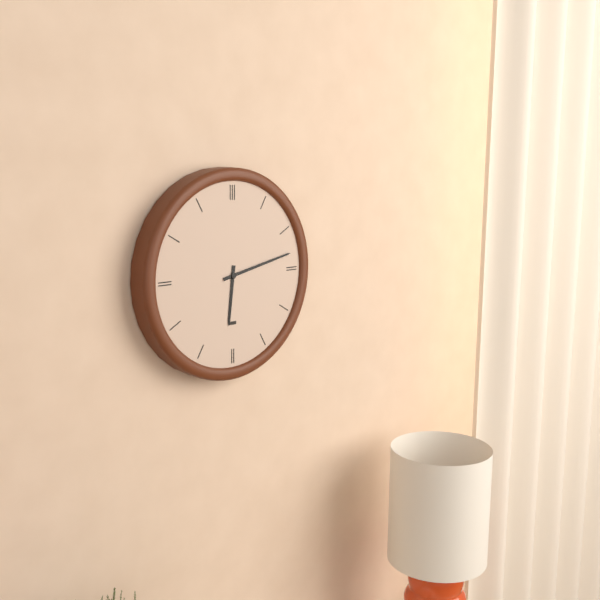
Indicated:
6.13
